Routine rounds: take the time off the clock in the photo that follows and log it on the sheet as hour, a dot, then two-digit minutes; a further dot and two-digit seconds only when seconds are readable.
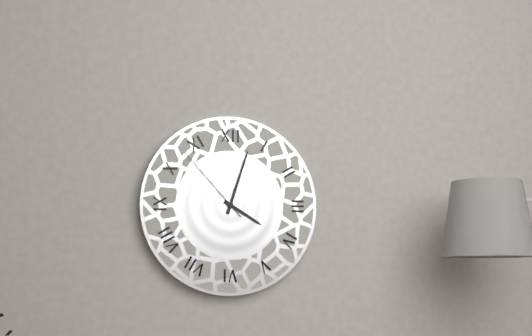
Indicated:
4.03.53
